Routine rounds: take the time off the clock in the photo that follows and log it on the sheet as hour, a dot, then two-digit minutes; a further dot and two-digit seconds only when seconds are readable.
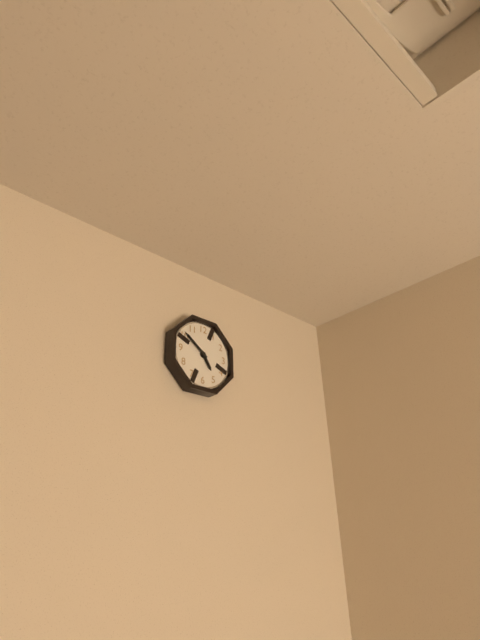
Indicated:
4.51
